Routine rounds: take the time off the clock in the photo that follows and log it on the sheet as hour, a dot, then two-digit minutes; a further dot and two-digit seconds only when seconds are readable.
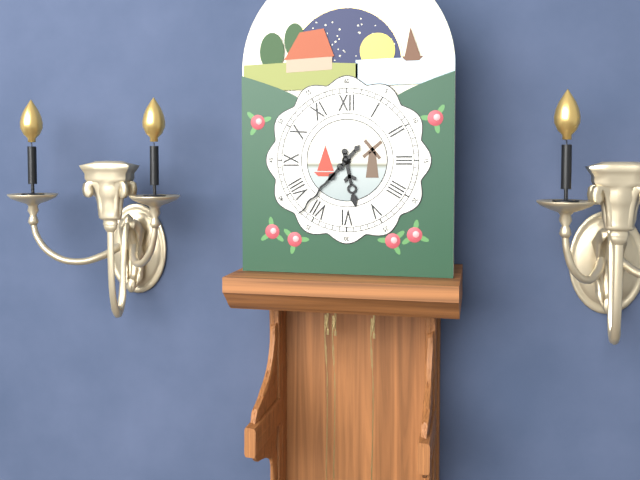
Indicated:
5.37
